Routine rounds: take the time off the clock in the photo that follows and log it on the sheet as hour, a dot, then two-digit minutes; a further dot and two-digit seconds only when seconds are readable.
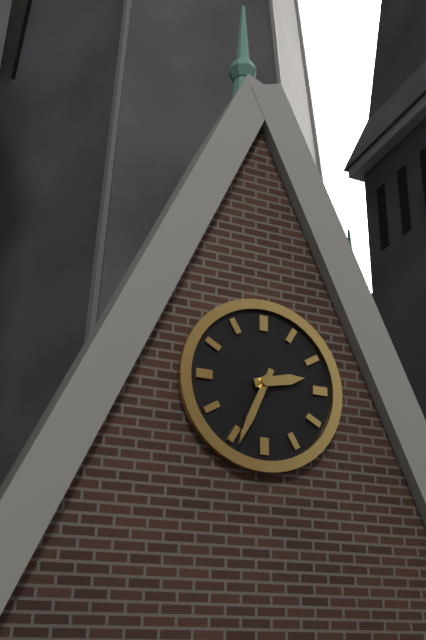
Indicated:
2.34
